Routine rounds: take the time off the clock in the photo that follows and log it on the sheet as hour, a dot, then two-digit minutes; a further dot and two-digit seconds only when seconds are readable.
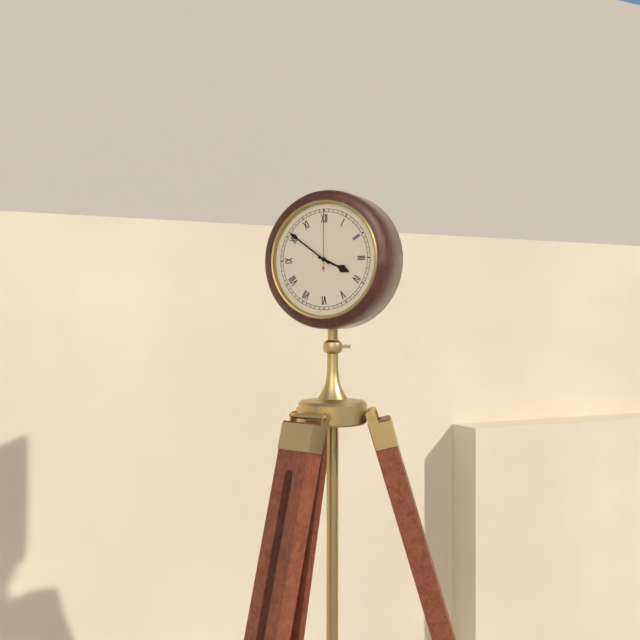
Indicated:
3.51.00
